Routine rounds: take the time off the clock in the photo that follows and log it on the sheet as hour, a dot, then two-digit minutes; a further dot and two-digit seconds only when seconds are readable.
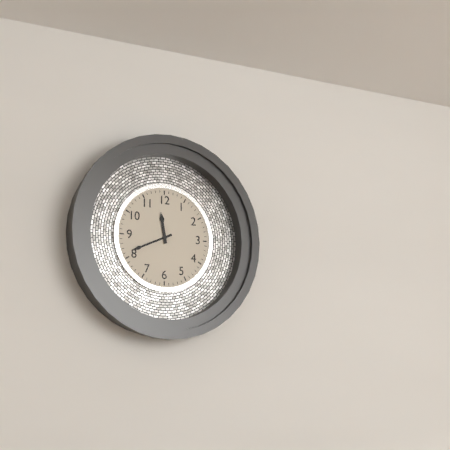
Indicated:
11.41
